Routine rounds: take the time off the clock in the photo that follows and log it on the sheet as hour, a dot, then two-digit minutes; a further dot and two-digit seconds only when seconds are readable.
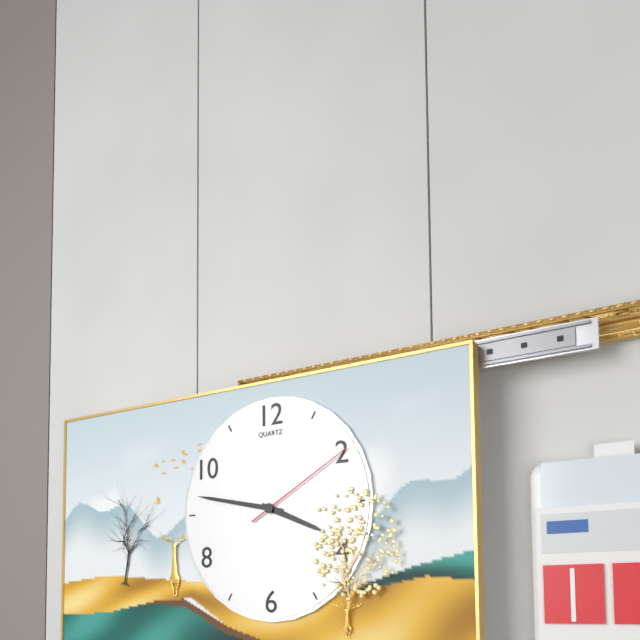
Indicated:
3.47.10
